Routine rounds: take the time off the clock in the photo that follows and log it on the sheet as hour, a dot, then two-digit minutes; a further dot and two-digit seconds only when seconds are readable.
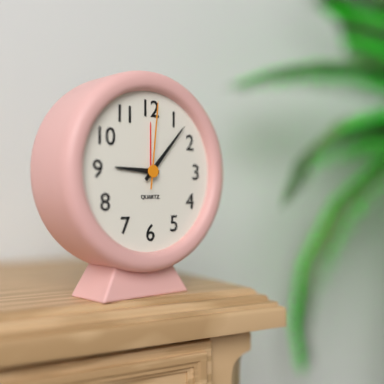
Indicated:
9.07.01
